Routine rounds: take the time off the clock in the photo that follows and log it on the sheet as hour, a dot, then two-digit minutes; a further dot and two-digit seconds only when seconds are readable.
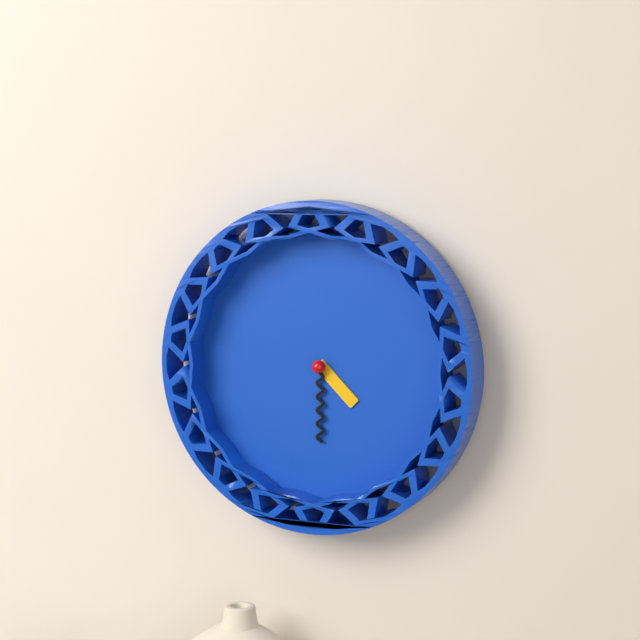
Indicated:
4.30
